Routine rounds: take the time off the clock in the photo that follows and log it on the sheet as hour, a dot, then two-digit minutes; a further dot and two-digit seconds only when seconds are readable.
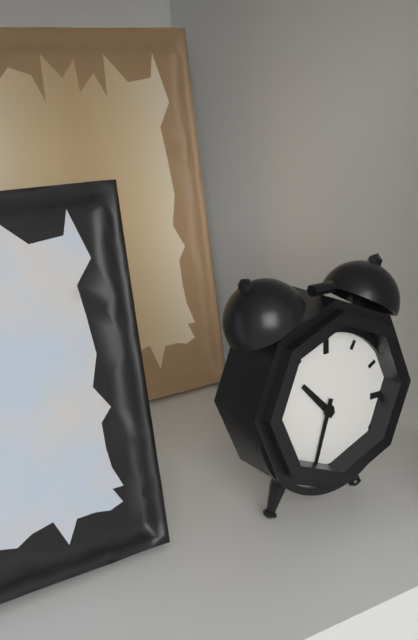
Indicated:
10.33
